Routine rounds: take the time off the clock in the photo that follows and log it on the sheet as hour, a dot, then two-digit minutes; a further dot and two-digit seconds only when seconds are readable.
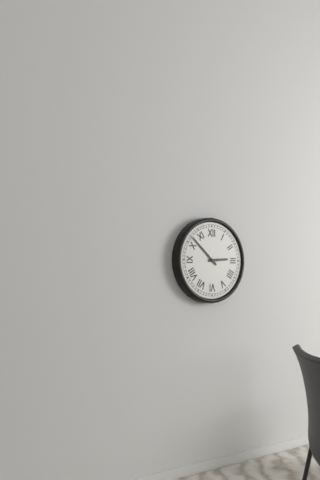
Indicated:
2.52
